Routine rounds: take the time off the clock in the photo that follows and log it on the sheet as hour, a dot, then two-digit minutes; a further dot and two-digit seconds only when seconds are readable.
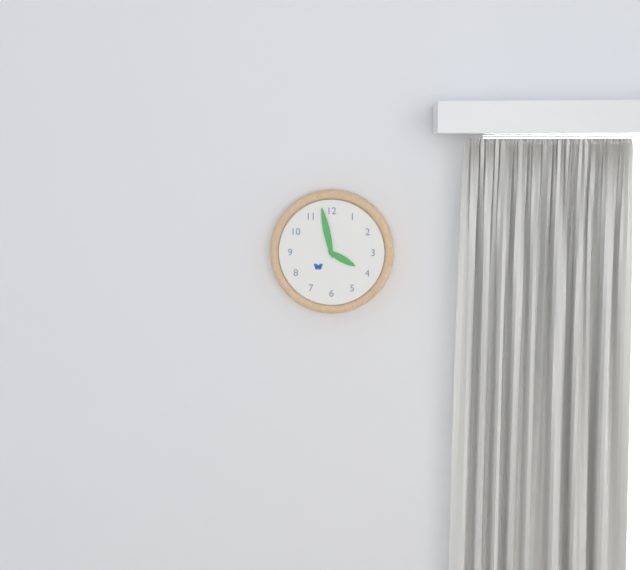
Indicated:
3.58
